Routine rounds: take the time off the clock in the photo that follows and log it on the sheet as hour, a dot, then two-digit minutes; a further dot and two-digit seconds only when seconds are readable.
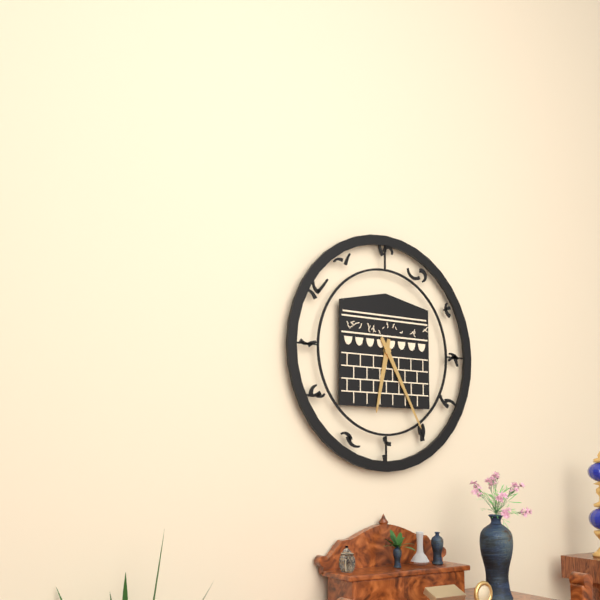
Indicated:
6.25
